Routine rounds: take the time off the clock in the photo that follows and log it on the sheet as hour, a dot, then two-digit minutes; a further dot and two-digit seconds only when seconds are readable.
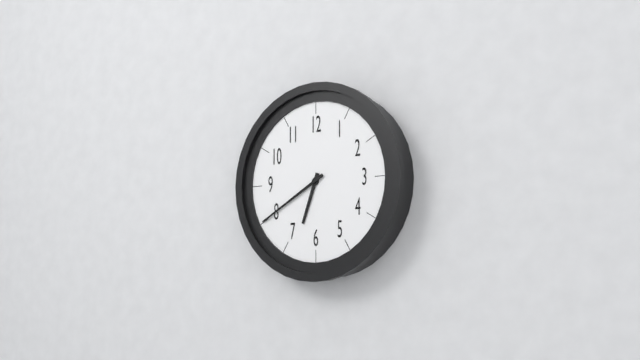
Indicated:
6.40
